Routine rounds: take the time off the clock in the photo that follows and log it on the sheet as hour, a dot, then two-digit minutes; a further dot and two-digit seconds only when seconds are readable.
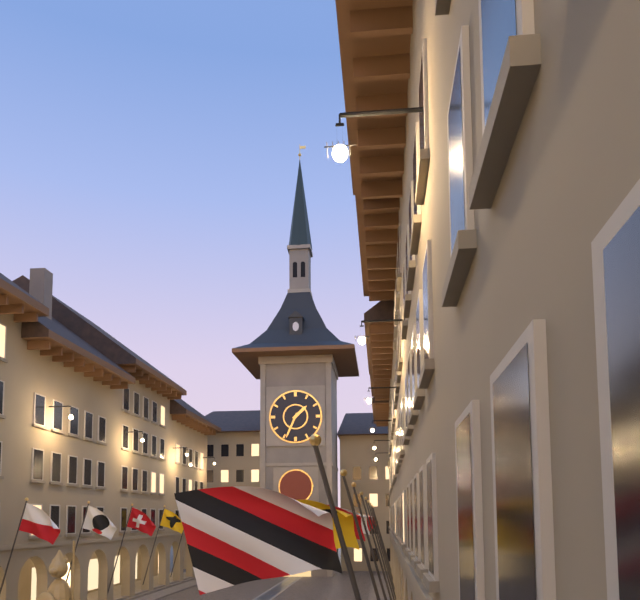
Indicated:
1.34
